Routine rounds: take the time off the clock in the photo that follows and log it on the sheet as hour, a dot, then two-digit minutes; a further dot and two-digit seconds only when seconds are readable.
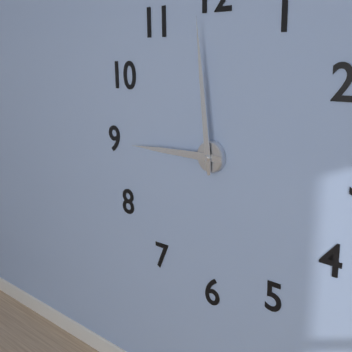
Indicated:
8.59
